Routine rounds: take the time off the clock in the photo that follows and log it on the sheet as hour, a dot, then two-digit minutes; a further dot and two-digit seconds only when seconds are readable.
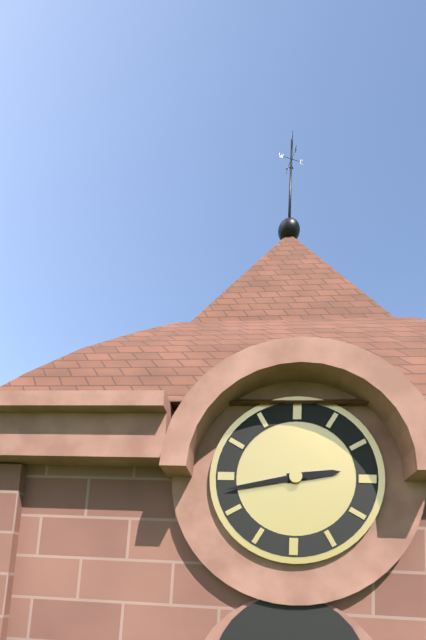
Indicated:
2.43
